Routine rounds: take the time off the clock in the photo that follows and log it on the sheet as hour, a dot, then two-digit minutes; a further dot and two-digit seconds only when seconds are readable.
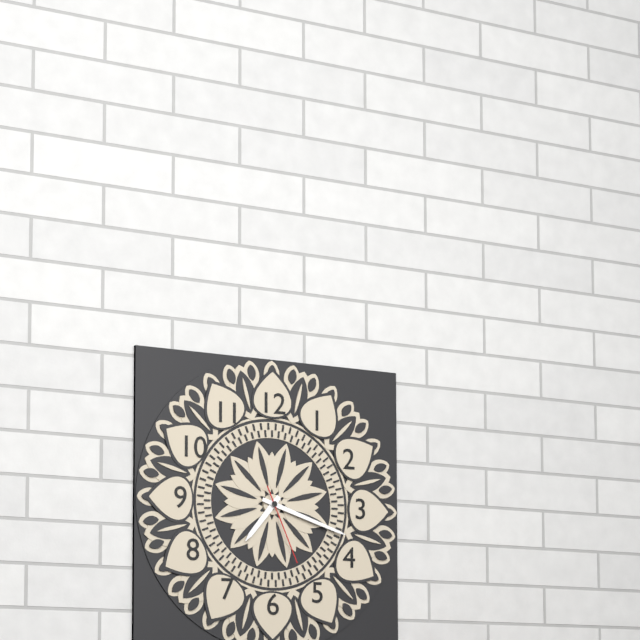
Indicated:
7.18.26
